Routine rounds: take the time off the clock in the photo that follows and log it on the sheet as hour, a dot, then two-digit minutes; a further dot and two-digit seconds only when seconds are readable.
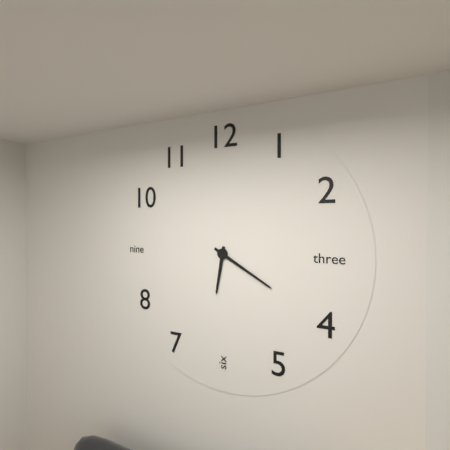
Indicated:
6.20
